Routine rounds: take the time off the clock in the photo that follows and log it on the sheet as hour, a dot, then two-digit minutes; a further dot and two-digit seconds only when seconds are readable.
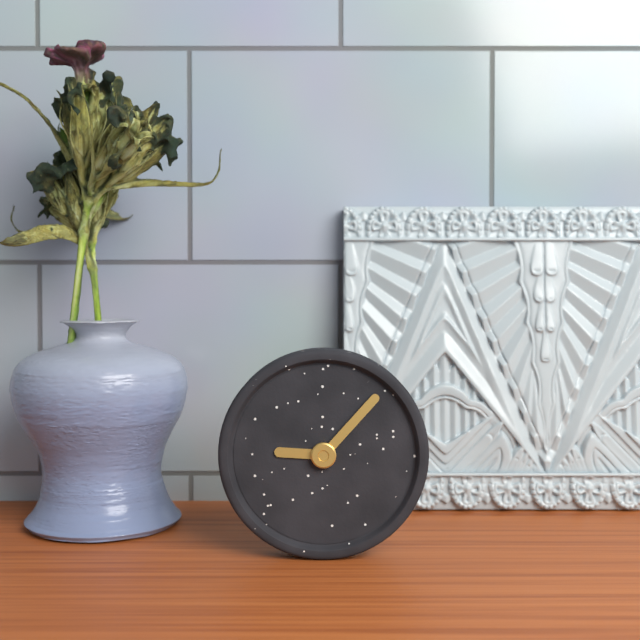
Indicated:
9.07
